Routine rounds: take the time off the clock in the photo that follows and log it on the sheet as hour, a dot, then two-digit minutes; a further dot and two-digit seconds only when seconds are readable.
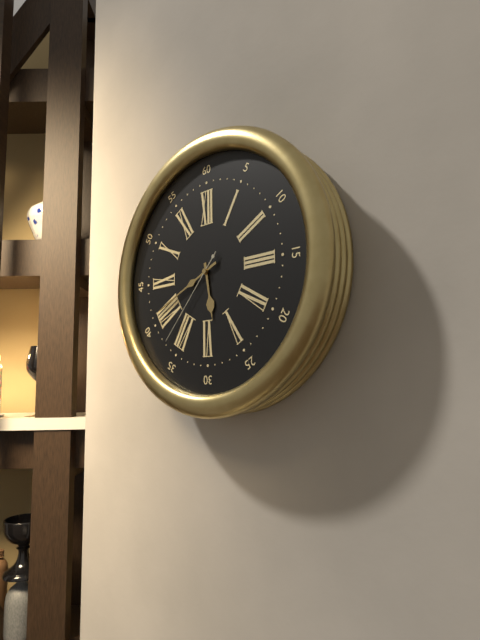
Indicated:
5.41.37
